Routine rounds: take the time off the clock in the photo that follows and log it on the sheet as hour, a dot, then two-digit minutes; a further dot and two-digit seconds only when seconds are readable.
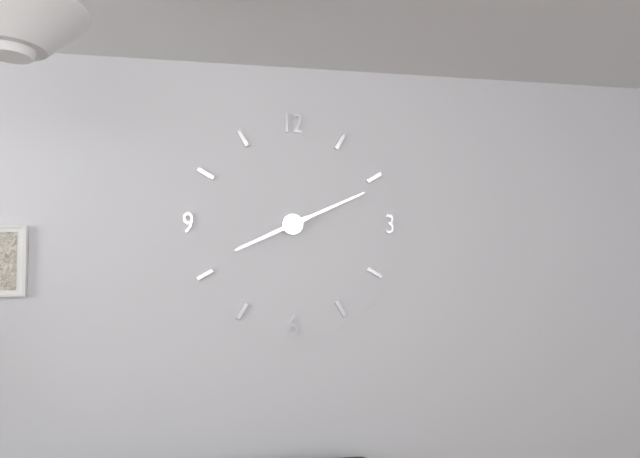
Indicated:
8.11
